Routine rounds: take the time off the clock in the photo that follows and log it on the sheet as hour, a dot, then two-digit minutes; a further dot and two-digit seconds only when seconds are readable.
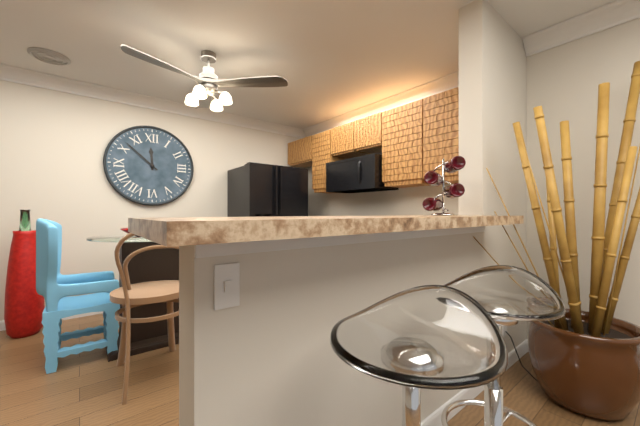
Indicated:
11.52
